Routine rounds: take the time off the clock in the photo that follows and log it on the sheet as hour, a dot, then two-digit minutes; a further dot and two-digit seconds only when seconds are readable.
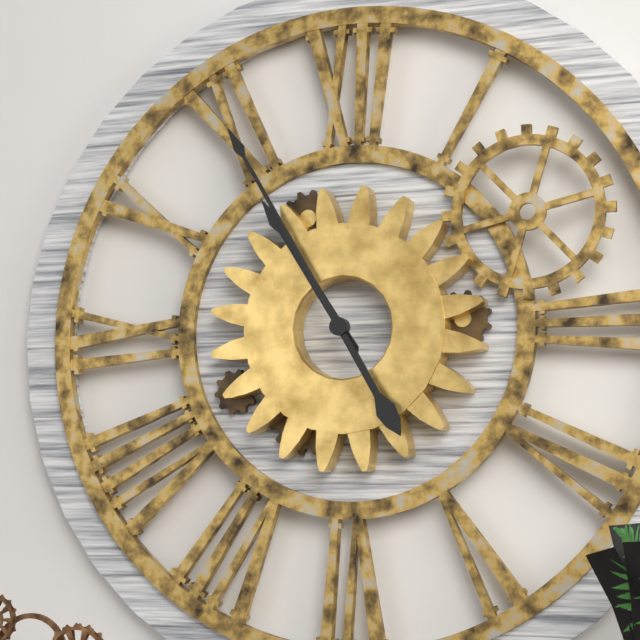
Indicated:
10.55
